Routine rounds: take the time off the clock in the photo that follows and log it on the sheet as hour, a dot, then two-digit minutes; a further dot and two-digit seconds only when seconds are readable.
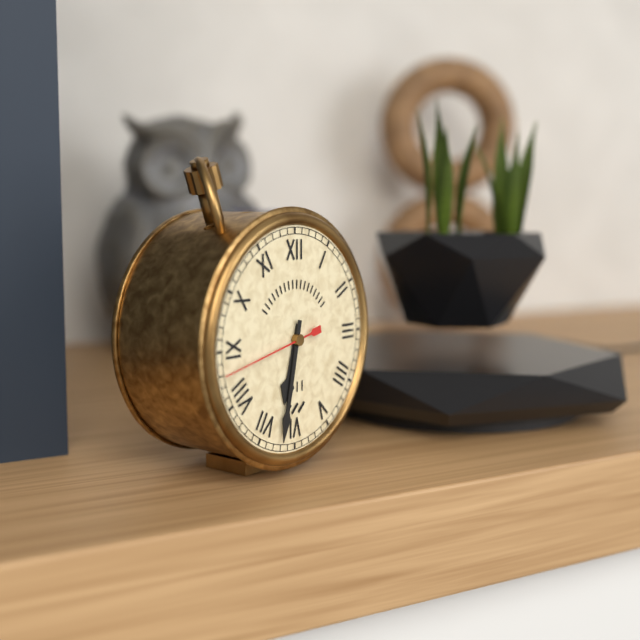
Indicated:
6.32.43
